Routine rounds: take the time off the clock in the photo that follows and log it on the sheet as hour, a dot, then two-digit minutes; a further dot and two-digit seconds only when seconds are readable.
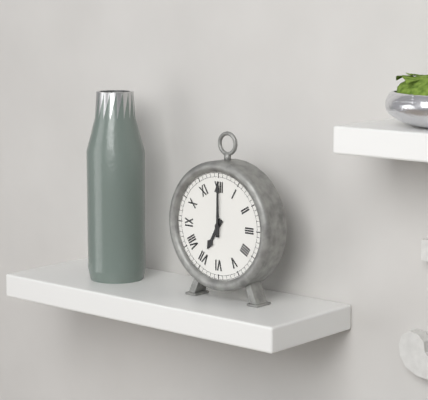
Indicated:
7.00
